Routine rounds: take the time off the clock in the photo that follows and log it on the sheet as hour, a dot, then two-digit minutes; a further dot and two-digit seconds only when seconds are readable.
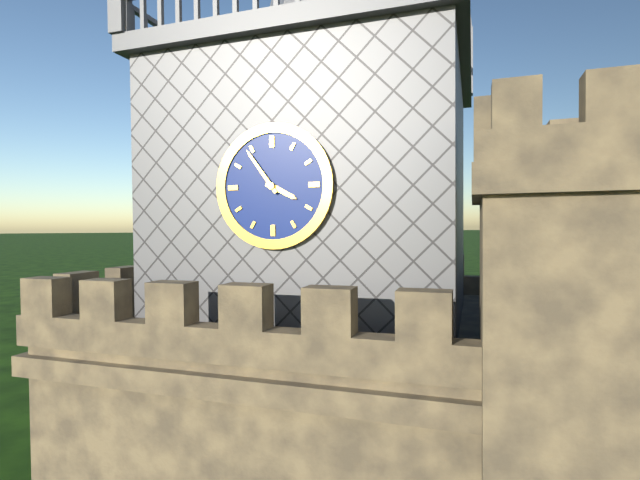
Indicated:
3.54
